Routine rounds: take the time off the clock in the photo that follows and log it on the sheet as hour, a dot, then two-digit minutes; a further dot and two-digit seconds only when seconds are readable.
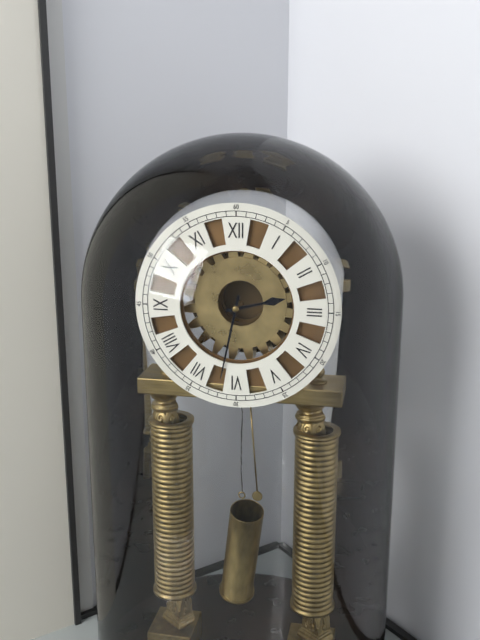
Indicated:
2.32
